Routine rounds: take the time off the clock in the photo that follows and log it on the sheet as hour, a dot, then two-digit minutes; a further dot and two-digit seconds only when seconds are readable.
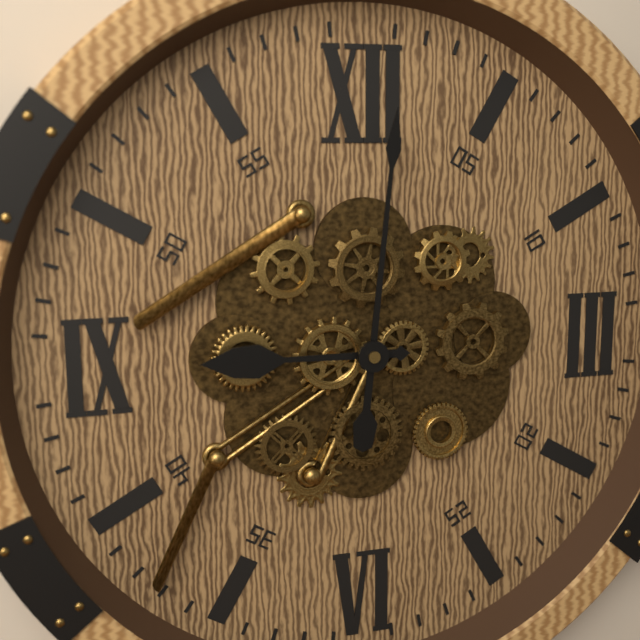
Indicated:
9.01
